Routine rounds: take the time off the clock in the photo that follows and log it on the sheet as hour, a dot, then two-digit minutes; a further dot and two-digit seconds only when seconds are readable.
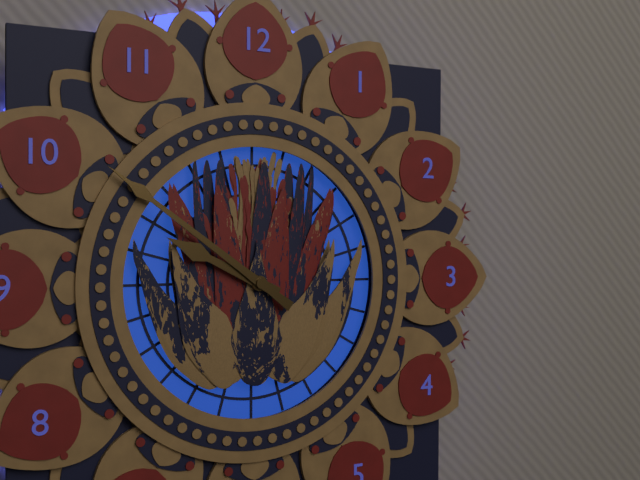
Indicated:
9.51
